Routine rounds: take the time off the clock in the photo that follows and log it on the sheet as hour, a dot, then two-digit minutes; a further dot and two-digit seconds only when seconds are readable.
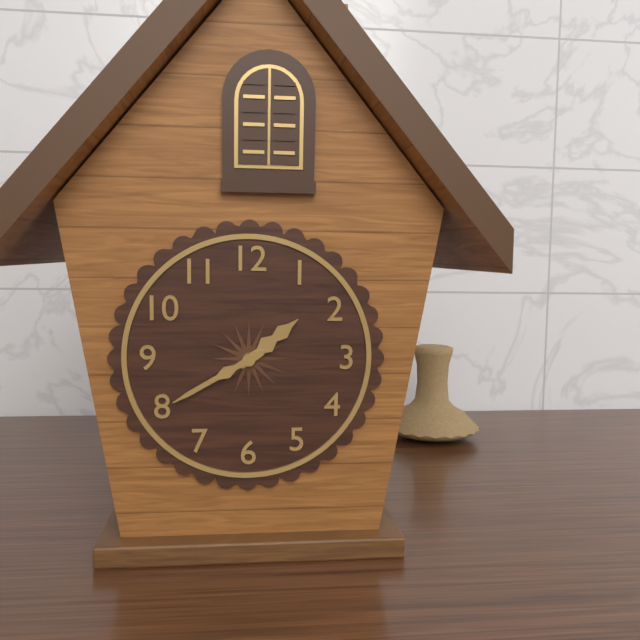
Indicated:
1.40
